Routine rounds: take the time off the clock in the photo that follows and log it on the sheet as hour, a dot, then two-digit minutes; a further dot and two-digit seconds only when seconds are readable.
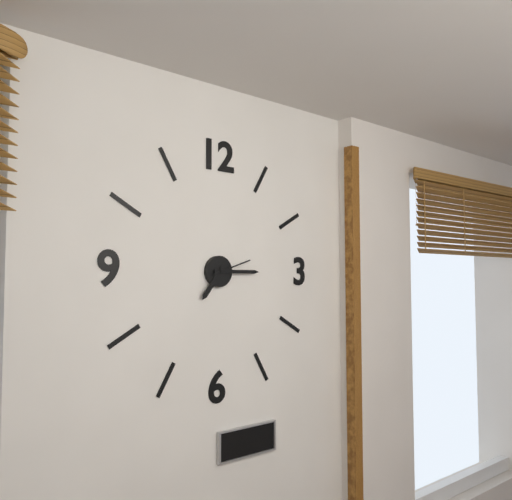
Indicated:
7.15
